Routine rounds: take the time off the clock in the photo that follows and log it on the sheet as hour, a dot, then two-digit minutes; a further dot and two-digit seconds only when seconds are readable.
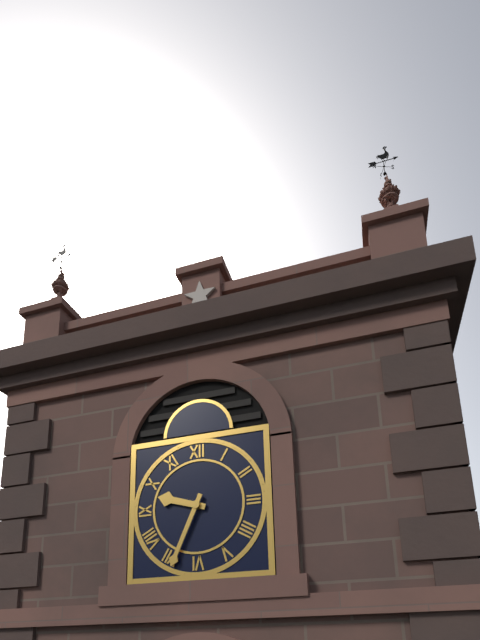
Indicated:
9.34
